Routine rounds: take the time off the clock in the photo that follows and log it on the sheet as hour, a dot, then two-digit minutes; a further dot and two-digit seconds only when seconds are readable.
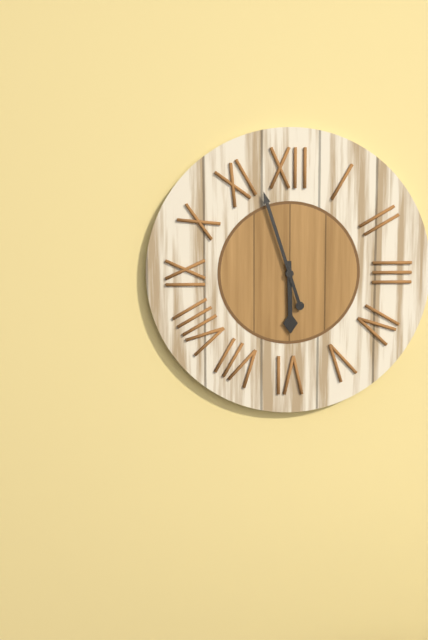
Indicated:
5.57
